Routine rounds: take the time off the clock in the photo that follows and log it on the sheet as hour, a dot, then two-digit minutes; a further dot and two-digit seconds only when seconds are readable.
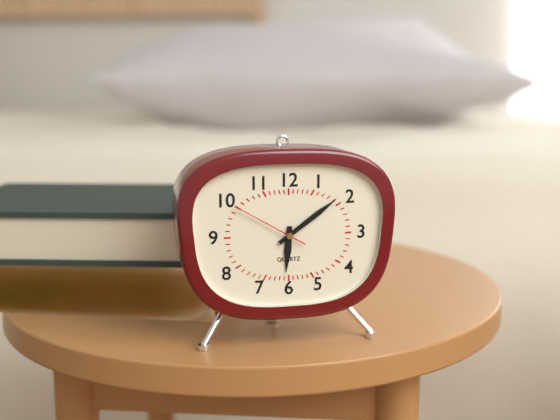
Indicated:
6.09.50
